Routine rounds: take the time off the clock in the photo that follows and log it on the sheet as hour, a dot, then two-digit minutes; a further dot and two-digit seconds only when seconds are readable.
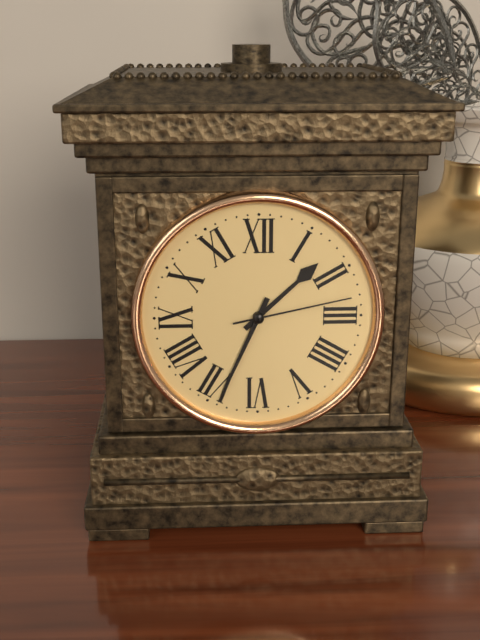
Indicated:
1.34.13
